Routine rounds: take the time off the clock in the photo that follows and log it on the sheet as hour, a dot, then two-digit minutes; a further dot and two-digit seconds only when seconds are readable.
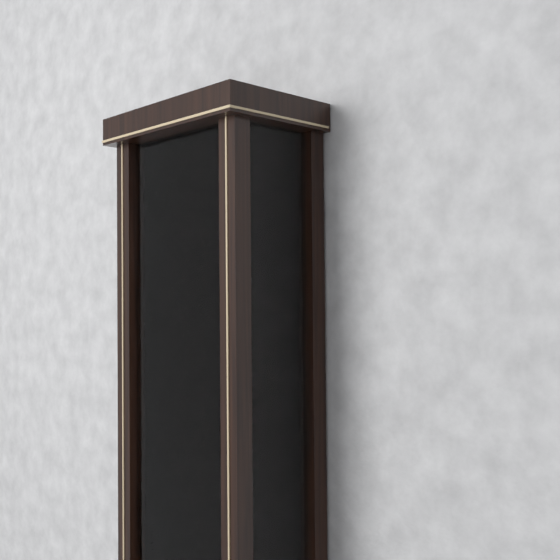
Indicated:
4.09
